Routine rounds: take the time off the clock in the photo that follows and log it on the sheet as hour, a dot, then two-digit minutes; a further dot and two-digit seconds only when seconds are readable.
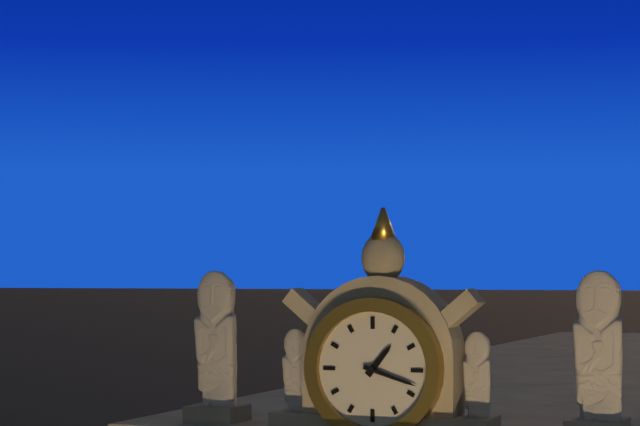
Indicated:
1.18
